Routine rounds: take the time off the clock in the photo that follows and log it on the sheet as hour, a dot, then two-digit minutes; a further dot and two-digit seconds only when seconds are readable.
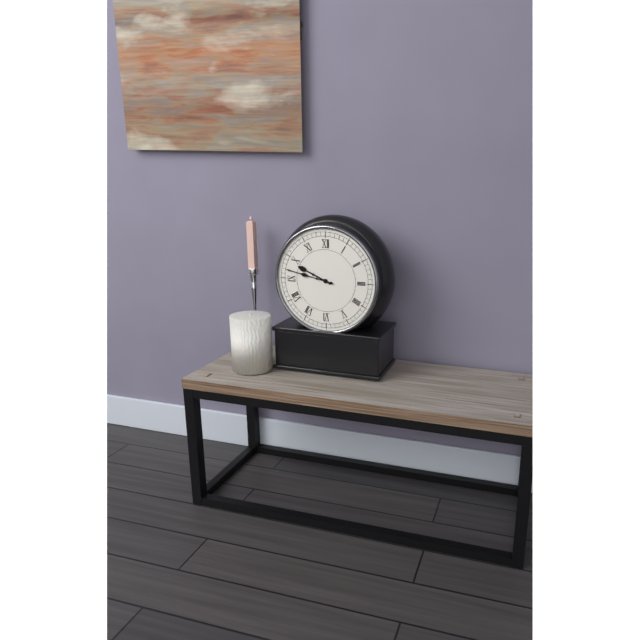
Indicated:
9.47
